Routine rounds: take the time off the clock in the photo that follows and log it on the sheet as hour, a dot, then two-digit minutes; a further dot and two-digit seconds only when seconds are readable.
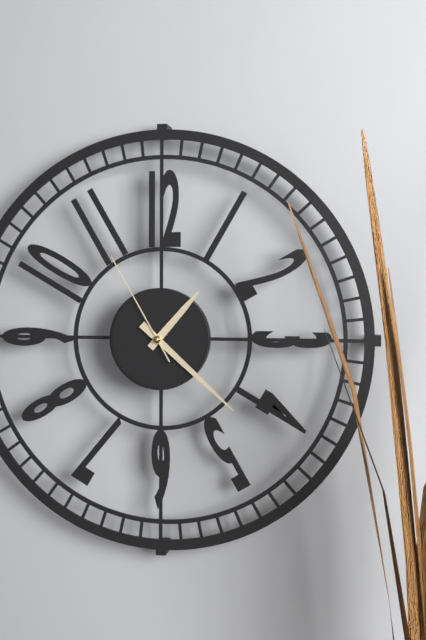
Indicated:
1.22.55
